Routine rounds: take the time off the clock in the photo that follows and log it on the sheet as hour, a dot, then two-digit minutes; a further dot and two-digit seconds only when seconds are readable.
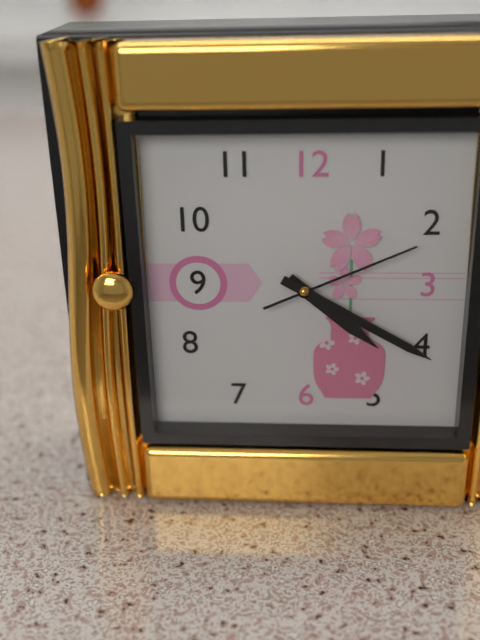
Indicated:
4.20.11
